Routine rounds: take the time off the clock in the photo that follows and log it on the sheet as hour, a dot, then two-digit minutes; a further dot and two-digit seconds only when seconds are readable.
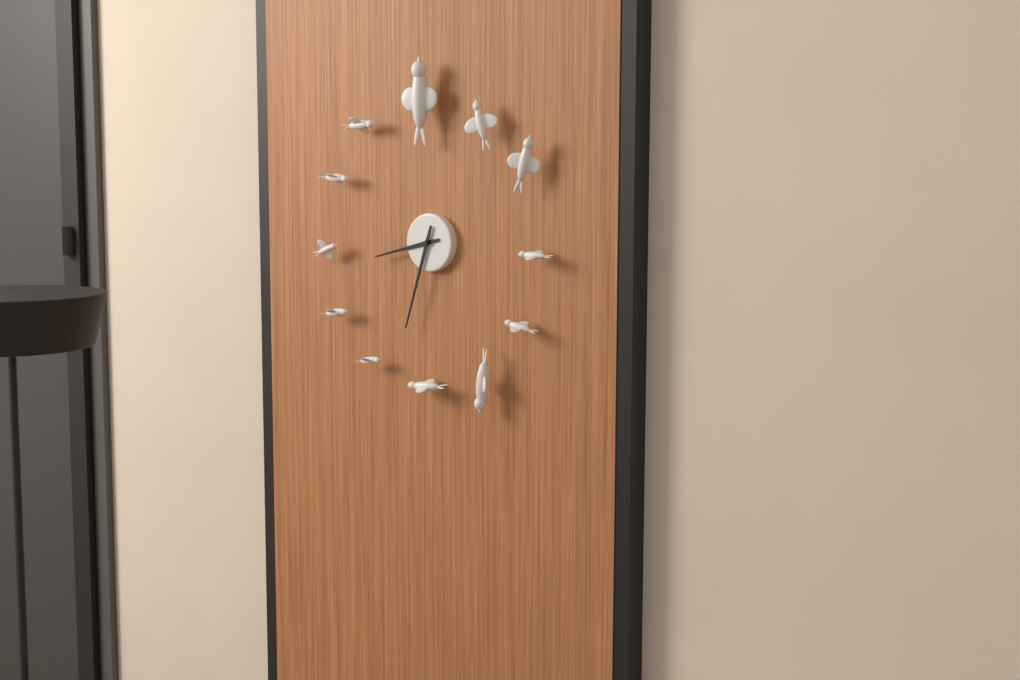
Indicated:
8.33
